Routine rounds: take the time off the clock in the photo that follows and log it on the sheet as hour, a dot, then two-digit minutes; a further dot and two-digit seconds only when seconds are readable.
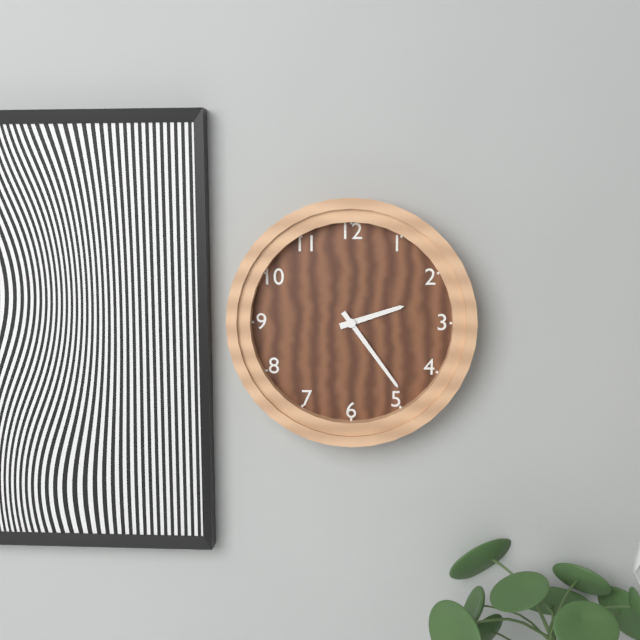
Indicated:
2.24
